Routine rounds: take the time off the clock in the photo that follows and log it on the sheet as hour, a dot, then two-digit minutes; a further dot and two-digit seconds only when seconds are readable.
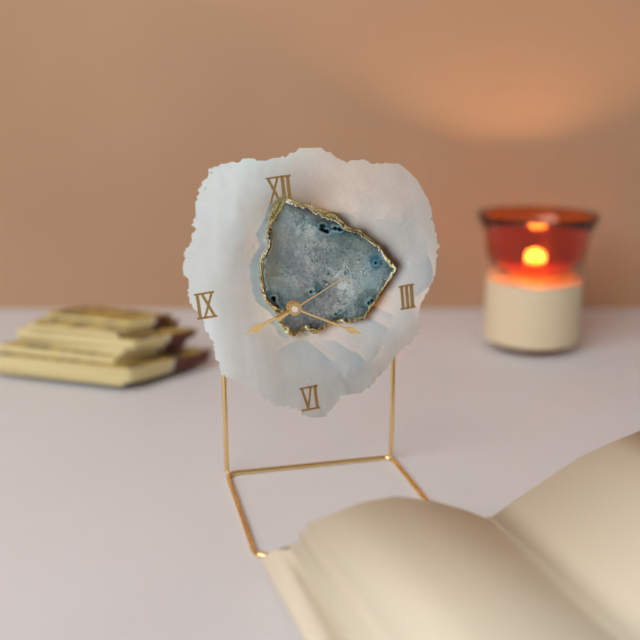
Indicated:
8.20.11
